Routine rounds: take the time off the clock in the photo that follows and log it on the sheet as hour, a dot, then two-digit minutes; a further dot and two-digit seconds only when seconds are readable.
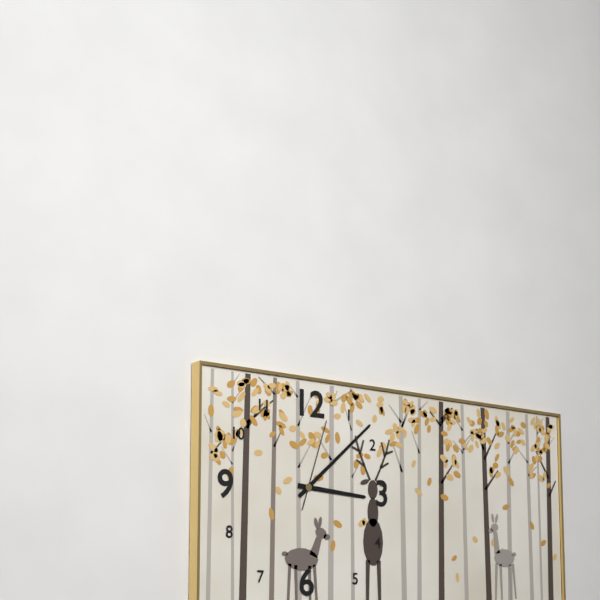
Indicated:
3.08.03
